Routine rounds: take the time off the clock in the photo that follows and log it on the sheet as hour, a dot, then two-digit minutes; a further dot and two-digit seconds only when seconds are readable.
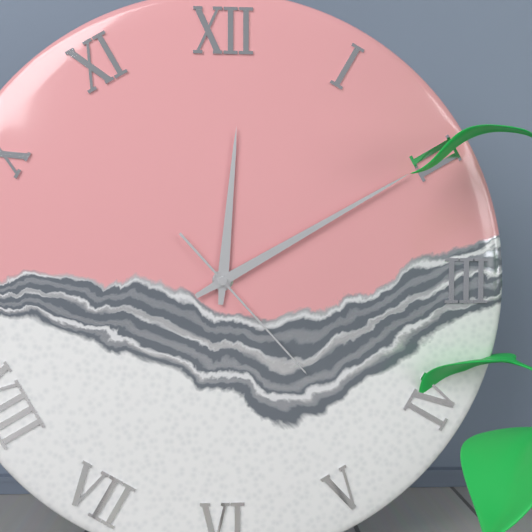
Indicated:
12.10.23
